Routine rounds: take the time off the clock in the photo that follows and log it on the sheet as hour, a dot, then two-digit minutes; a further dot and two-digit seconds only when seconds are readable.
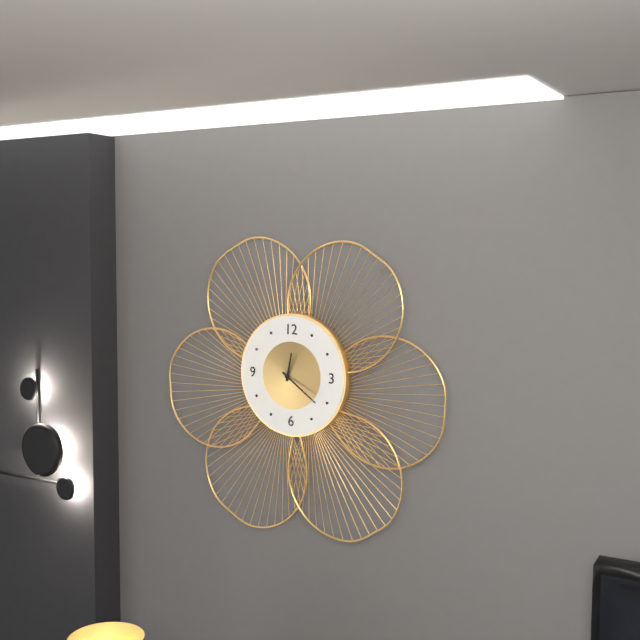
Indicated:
12.21
